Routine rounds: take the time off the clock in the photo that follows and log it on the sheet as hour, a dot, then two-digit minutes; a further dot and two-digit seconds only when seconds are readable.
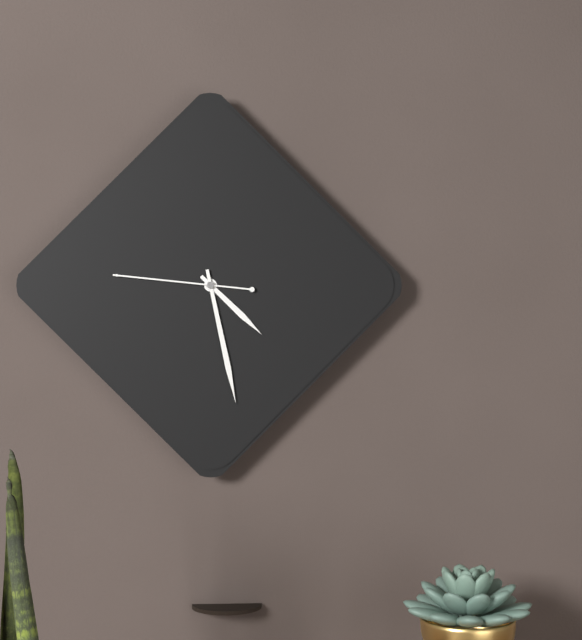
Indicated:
4.28.46
